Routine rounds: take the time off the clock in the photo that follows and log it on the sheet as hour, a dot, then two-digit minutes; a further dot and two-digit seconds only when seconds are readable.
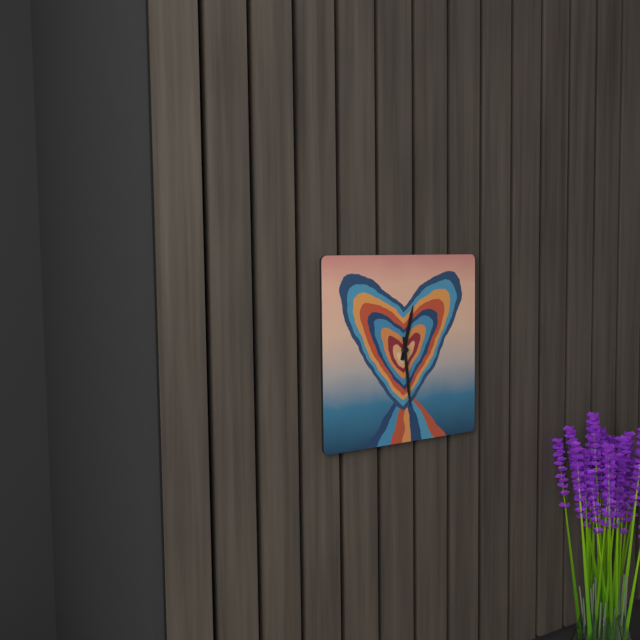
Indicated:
12.29
